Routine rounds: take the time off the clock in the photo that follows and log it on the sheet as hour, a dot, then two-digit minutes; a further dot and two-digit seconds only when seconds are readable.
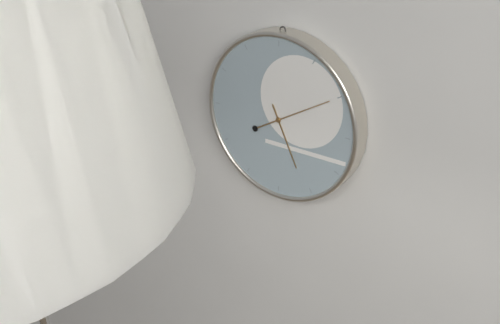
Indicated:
5.10
